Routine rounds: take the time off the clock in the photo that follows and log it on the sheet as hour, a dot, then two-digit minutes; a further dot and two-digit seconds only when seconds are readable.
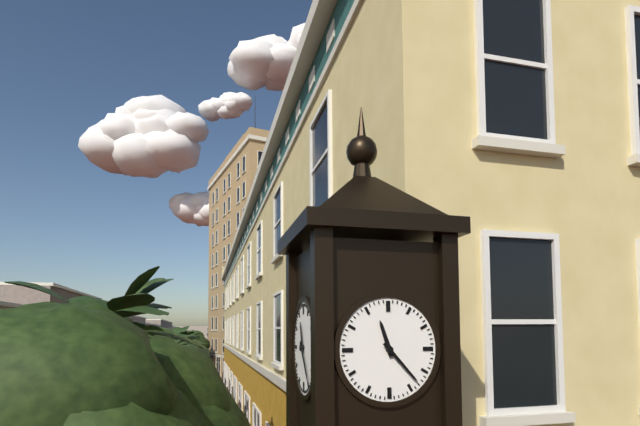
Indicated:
11.23
